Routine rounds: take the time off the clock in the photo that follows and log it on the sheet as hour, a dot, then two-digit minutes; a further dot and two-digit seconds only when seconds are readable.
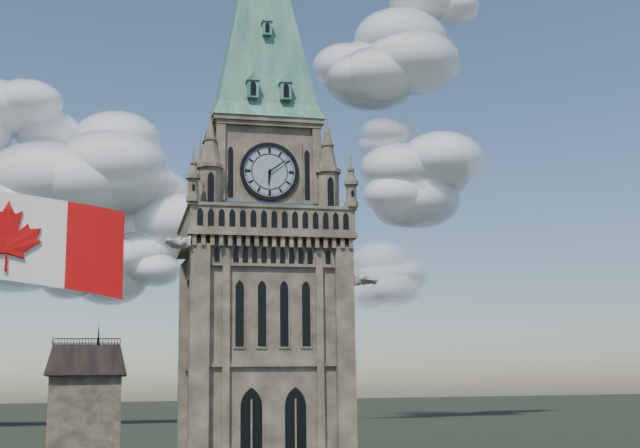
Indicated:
6.09
